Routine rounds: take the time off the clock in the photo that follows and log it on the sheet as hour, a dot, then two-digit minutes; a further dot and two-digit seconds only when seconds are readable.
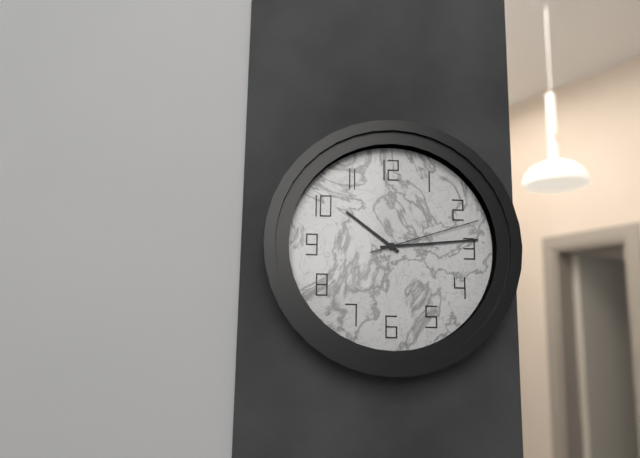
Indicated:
10.14.12
